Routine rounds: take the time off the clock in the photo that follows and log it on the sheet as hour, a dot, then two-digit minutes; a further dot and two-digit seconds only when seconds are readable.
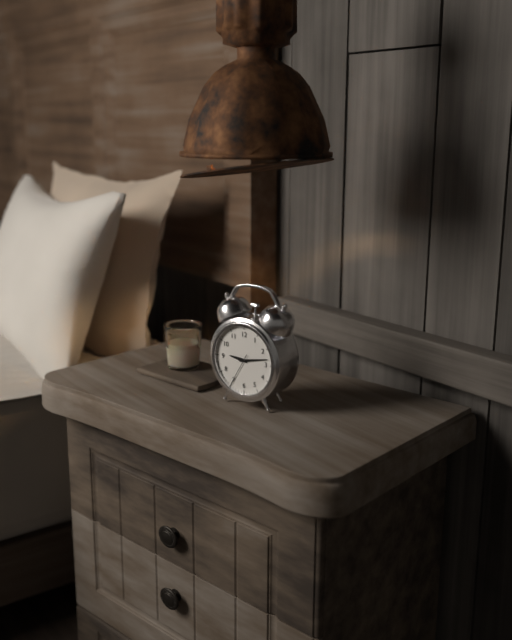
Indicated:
9.13
